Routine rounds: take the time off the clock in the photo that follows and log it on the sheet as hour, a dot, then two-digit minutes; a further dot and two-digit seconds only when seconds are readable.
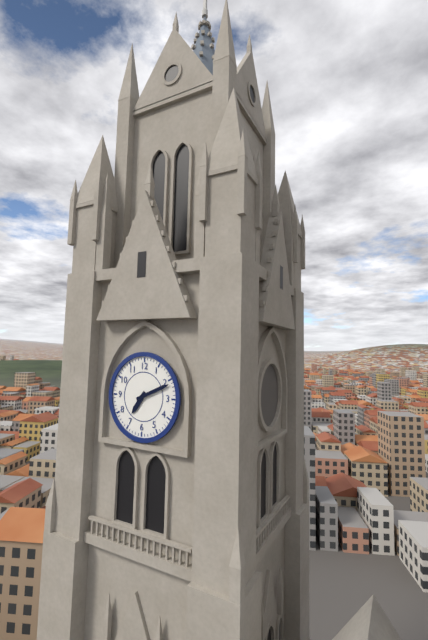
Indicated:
7.11
